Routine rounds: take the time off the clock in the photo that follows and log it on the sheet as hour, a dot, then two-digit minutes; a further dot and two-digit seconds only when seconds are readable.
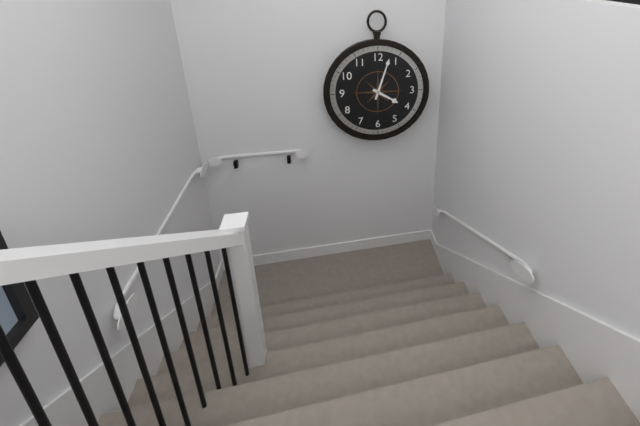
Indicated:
4.03
